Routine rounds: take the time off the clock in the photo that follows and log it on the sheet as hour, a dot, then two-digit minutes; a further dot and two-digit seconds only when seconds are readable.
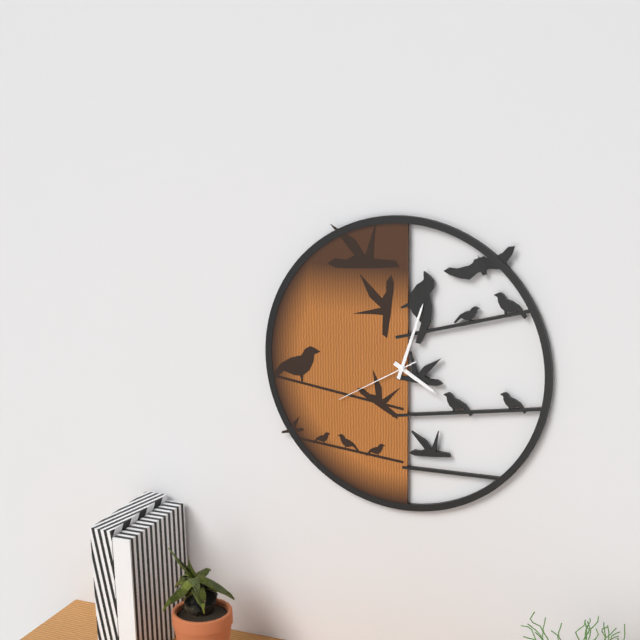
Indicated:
4.03.40
